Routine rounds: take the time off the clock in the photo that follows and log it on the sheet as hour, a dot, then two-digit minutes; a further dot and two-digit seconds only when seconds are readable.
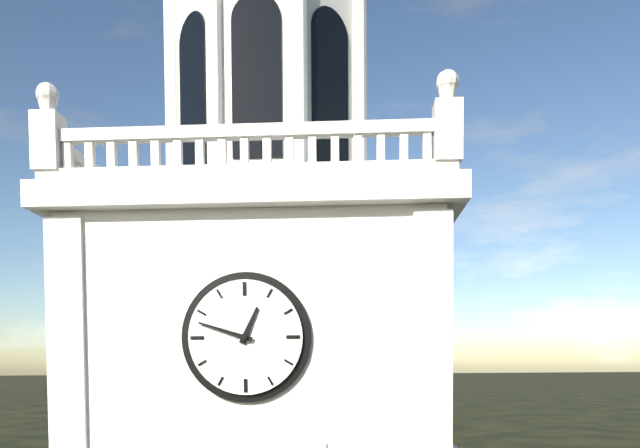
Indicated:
12.48
